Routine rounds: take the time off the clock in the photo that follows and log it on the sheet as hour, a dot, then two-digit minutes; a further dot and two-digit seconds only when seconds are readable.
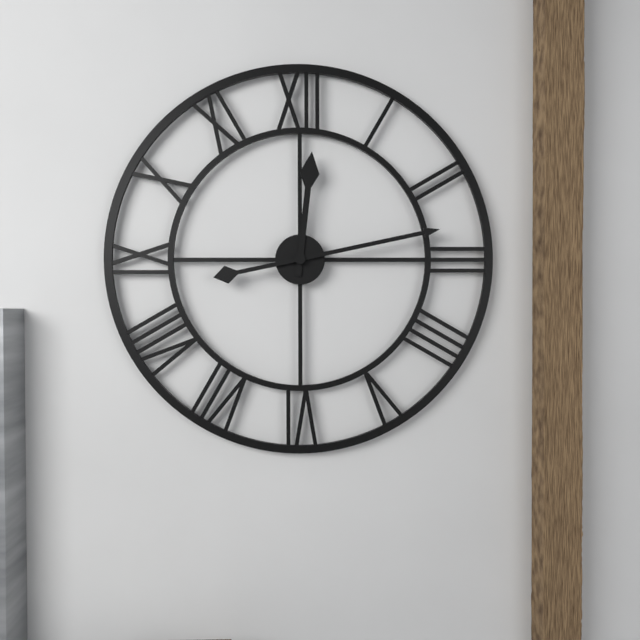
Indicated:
12.13
